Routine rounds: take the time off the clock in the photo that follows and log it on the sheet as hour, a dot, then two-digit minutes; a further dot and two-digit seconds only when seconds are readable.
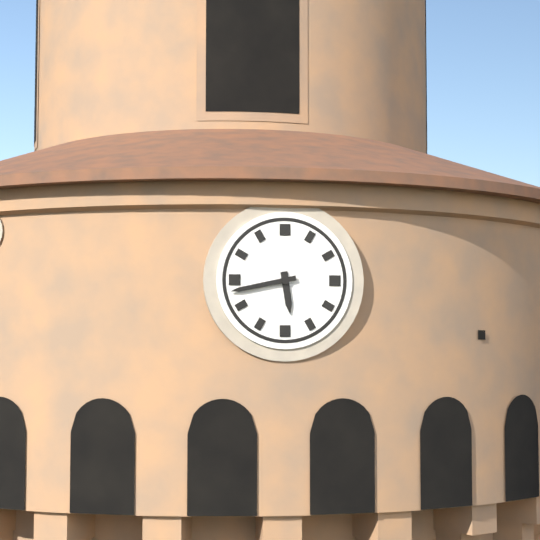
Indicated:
5.43
